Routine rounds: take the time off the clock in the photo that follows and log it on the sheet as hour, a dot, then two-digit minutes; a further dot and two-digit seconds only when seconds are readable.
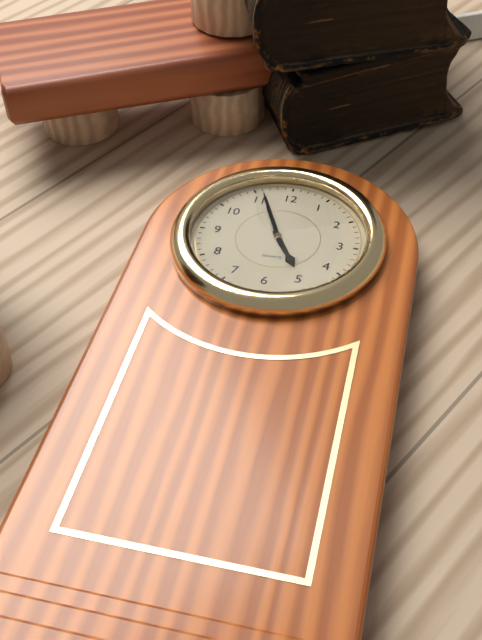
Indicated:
4.56
